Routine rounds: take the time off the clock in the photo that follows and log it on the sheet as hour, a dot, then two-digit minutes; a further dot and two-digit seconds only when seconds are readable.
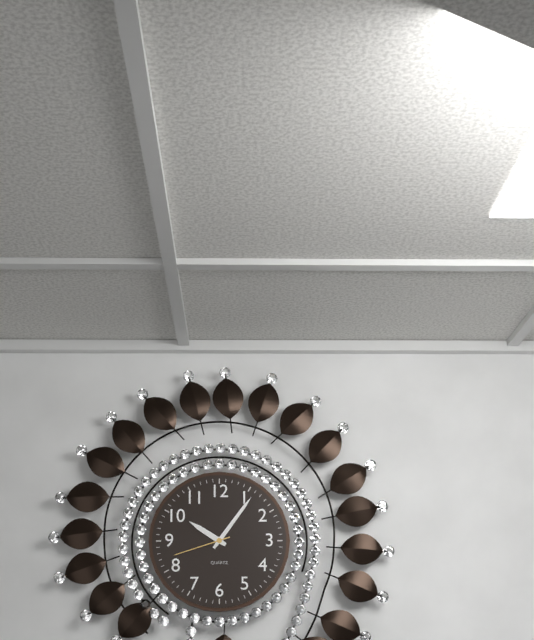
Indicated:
10.06.42
